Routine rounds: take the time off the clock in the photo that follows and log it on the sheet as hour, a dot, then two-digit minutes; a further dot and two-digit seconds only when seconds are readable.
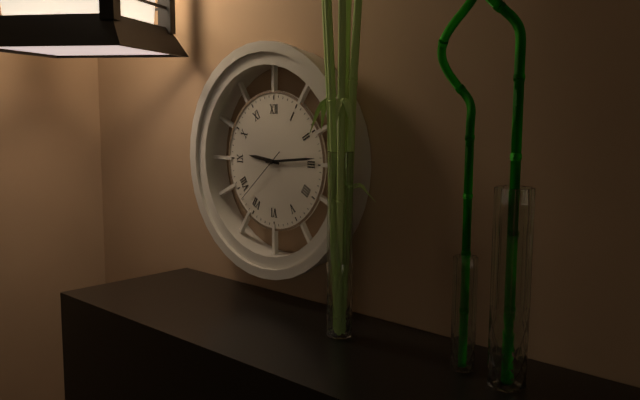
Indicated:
9.14.38
